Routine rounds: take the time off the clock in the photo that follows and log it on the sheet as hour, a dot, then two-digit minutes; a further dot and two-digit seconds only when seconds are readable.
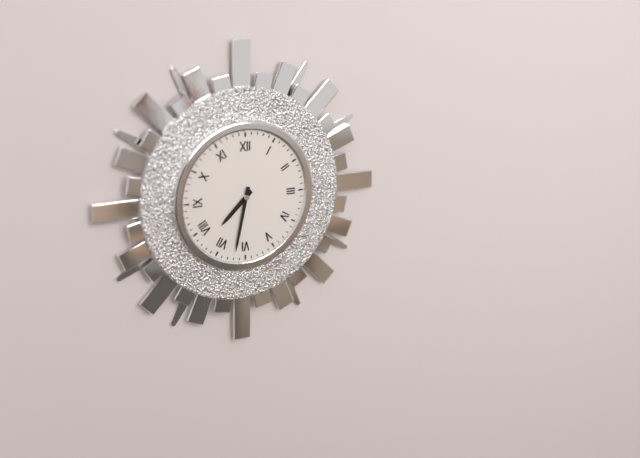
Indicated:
7.32
